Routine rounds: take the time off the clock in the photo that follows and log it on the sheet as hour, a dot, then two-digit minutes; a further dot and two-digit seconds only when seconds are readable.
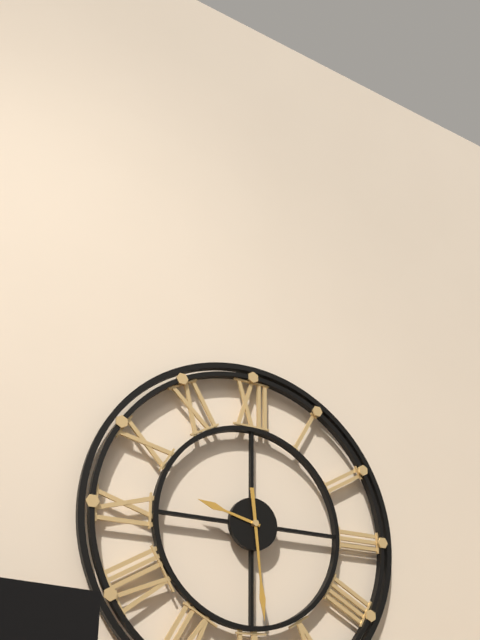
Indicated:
9.29
